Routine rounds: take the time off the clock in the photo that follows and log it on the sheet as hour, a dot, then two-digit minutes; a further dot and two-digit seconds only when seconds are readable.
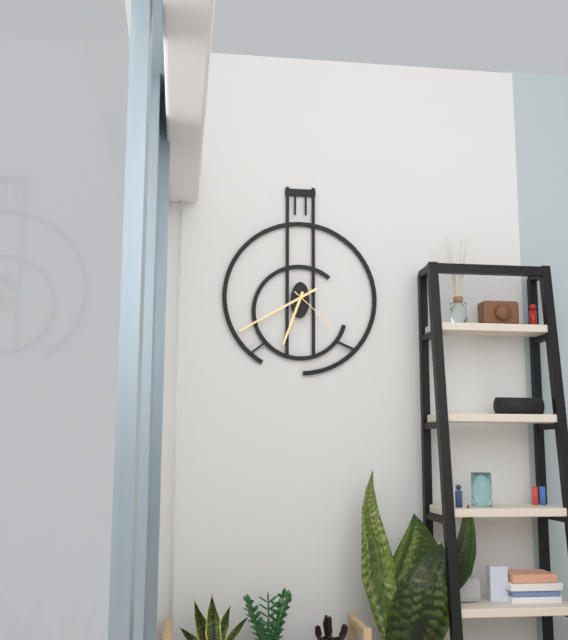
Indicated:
6.40.22
